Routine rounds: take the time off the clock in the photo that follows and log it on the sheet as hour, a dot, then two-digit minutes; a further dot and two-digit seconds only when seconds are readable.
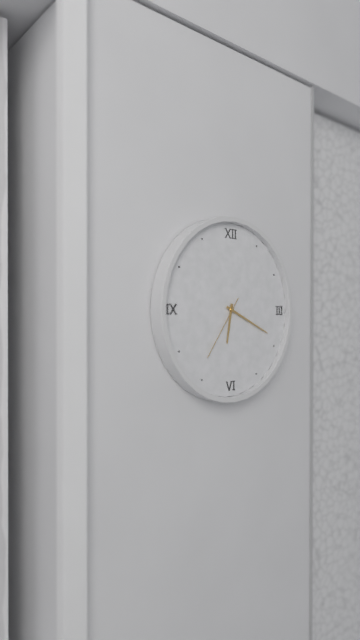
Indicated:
6.19.36
